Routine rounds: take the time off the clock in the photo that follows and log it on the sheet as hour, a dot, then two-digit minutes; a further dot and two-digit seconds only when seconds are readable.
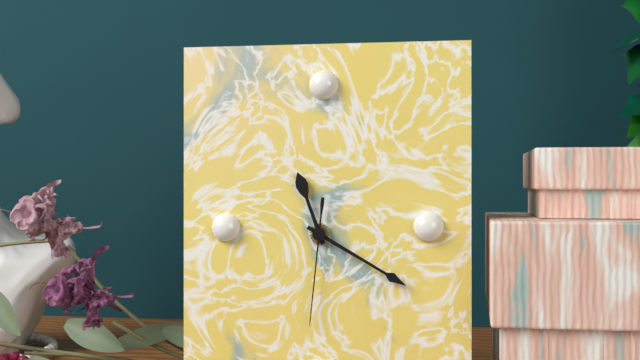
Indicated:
11.20.31
